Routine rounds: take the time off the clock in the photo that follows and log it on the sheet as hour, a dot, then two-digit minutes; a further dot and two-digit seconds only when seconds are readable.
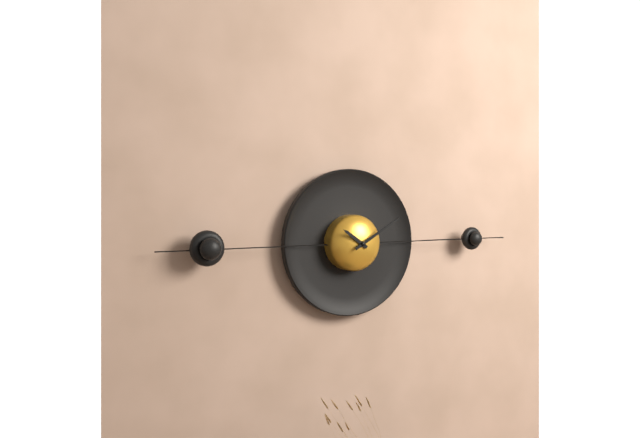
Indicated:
10.10
